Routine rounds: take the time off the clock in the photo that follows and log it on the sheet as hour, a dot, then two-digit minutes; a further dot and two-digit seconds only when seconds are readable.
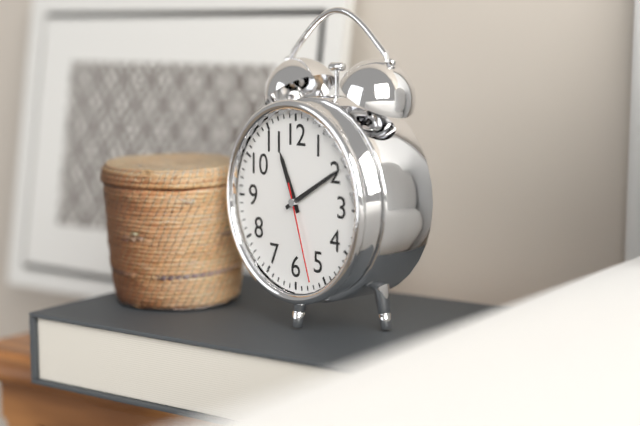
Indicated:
11.10.27
